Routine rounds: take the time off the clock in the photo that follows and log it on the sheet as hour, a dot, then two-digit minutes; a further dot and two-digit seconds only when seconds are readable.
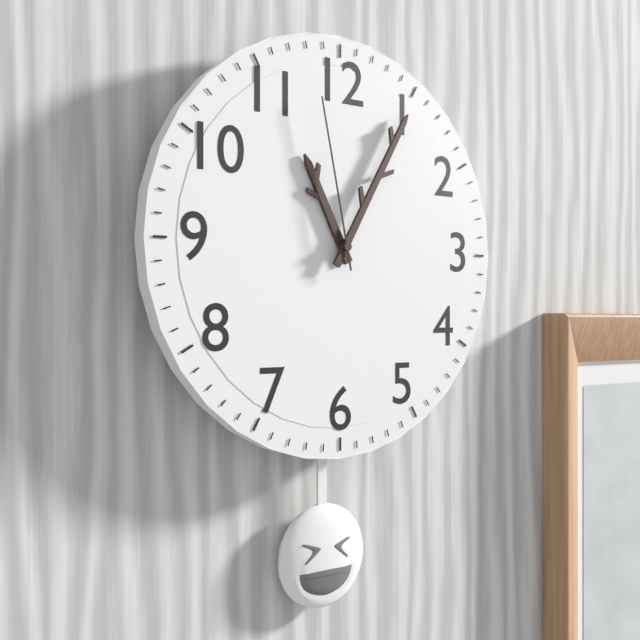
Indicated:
11.05.58
